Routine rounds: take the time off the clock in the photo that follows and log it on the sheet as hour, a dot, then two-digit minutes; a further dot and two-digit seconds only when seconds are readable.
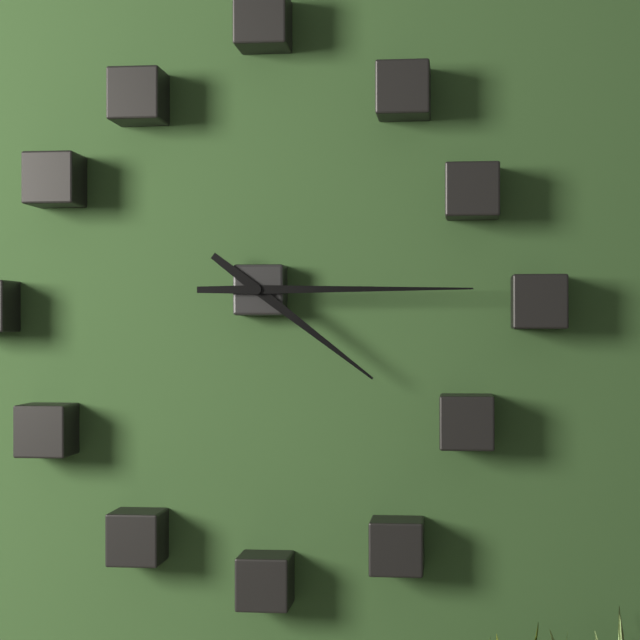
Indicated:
4.15
